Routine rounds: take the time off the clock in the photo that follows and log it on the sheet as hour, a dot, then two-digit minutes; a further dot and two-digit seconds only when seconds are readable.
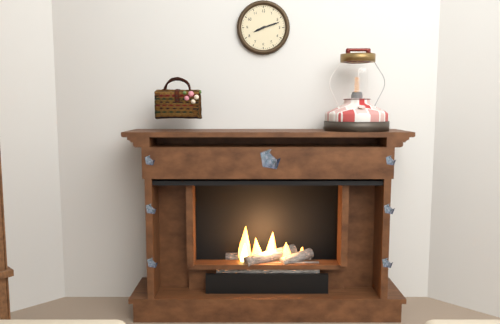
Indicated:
8.12
